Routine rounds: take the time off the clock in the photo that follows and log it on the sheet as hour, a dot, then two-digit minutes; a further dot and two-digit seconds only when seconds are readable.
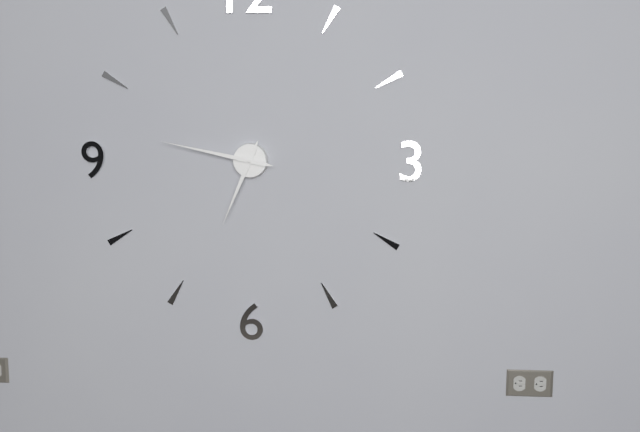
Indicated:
6.47
